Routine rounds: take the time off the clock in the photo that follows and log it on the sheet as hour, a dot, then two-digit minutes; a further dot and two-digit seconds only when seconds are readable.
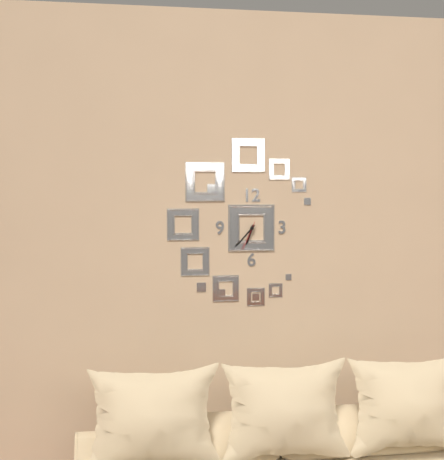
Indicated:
6.37
